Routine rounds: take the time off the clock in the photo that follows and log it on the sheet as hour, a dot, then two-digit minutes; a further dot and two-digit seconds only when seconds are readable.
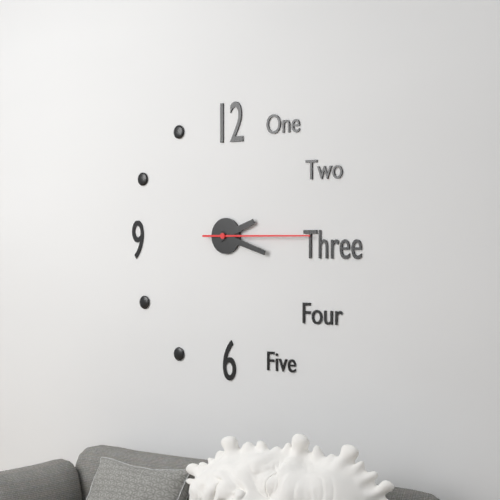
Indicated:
2.18.15
